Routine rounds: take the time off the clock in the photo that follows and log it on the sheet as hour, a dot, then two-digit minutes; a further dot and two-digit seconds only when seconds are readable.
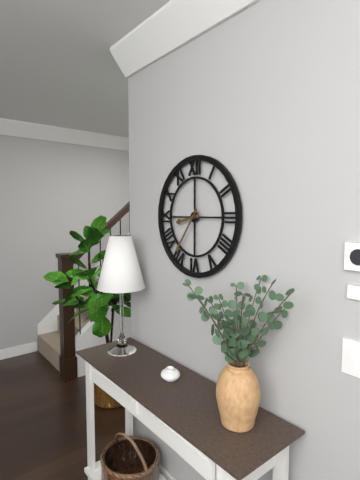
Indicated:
8.36
